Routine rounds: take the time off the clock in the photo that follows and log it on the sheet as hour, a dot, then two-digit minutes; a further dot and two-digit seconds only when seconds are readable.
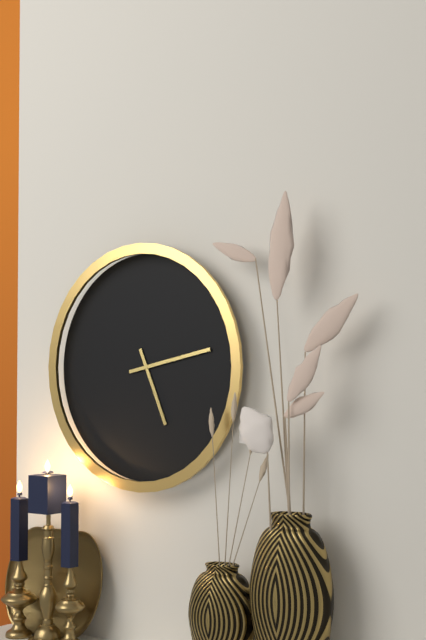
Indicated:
5.13
